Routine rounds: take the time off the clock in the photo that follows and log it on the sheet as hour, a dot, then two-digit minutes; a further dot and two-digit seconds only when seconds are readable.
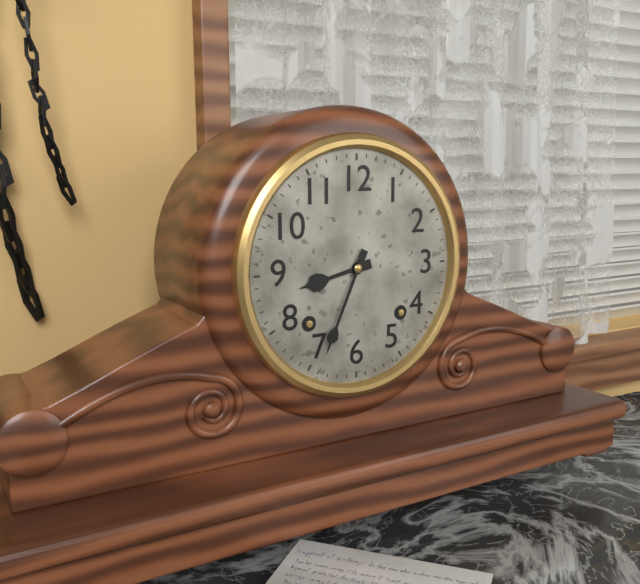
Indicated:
8.34
